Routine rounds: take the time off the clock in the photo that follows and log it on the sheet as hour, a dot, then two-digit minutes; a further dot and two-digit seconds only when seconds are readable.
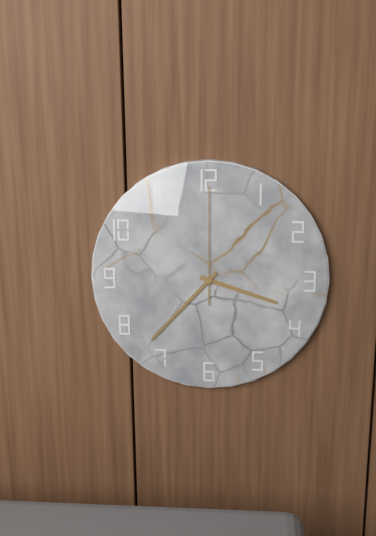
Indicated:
3.37.00
